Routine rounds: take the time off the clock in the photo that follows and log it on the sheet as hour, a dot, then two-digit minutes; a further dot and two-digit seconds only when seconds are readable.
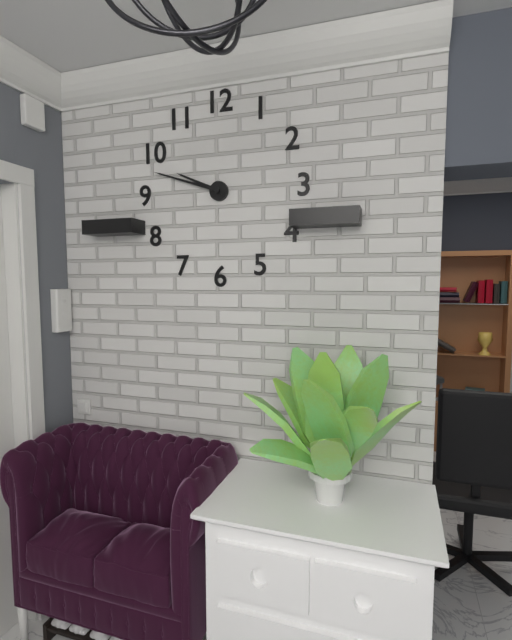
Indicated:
9.48
